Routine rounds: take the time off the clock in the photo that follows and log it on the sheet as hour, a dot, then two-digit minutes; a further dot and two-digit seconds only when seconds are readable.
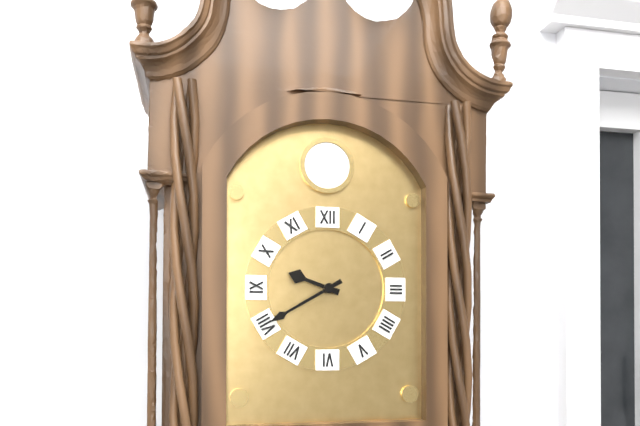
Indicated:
9.40
